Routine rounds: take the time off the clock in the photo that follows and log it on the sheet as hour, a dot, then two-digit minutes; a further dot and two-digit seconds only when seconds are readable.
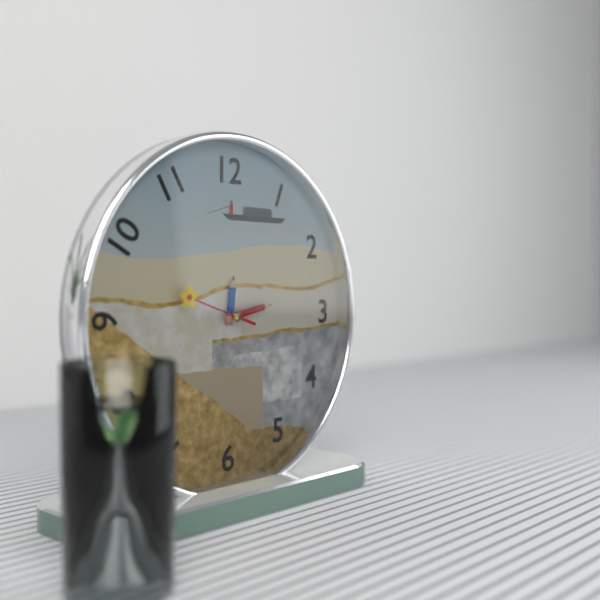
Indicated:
12.13.48
